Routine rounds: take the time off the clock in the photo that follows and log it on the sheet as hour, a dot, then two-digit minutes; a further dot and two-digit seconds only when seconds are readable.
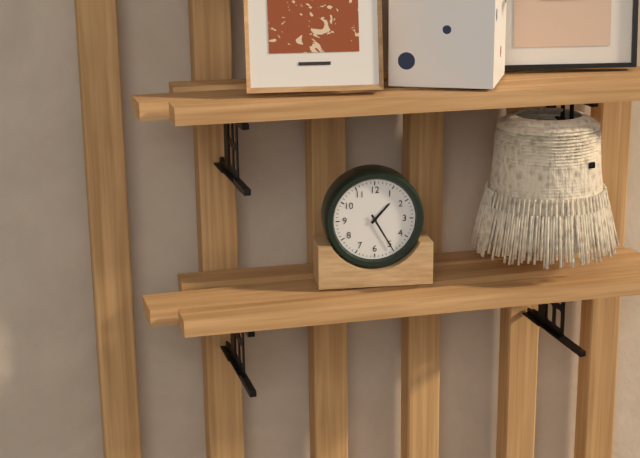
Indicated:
1.25
